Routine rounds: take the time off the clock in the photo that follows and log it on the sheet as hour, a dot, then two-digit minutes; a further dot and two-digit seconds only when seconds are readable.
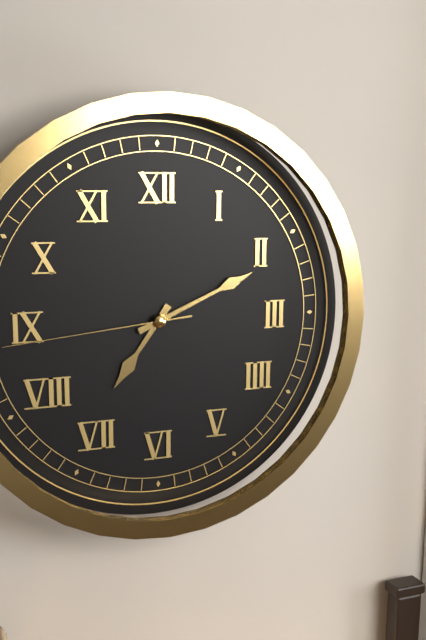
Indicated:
7.11.44
